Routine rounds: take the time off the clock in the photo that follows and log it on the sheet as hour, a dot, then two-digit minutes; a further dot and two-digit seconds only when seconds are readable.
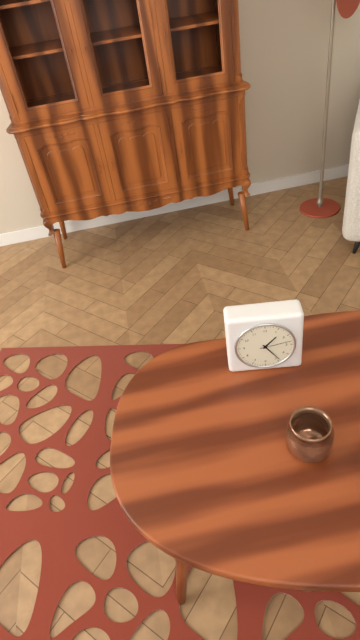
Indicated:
1.24
